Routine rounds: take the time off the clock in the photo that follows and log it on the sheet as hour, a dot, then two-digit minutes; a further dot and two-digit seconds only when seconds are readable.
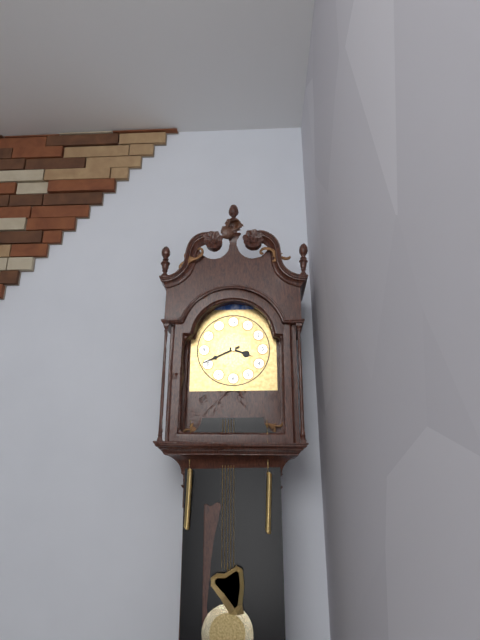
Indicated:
3.41
